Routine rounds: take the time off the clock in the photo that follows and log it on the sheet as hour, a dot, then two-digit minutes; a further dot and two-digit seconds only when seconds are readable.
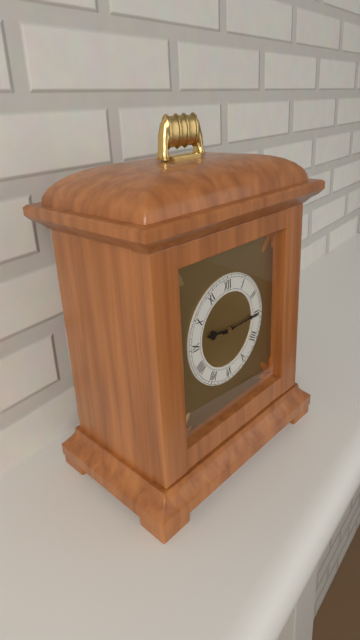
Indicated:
9.15
